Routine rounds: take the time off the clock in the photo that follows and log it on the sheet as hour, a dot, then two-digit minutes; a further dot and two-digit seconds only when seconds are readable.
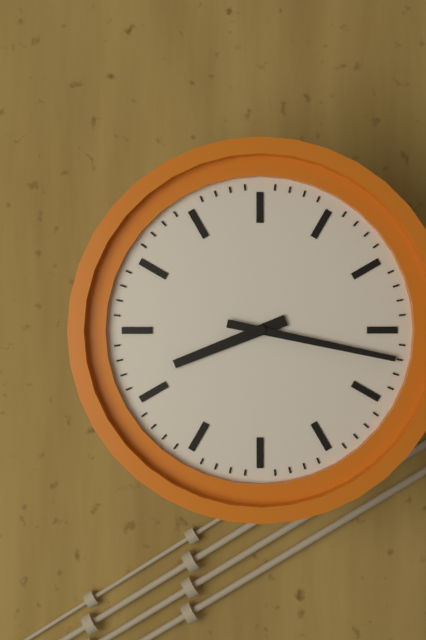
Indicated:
8.17
